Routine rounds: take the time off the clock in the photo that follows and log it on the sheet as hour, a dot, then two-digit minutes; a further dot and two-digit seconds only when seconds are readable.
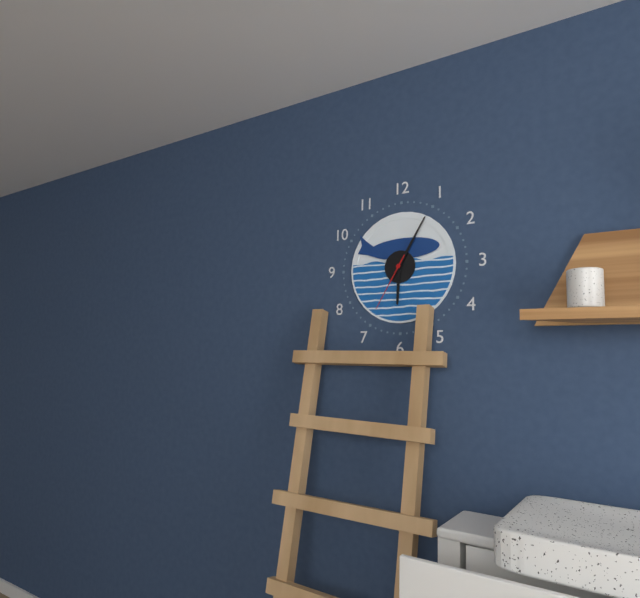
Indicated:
6.05.35
